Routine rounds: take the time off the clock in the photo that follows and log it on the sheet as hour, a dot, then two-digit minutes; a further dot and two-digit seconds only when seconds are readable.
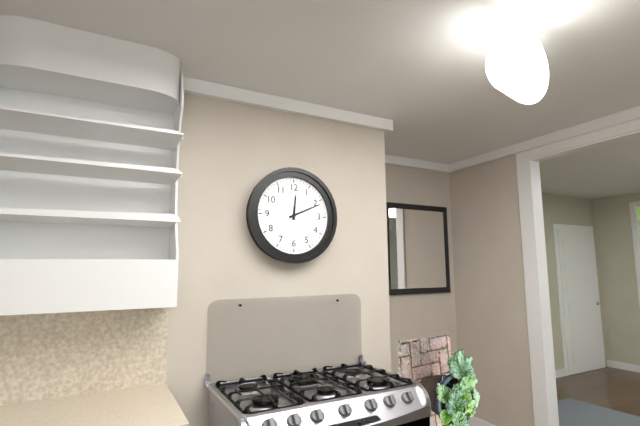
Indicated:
12.11
